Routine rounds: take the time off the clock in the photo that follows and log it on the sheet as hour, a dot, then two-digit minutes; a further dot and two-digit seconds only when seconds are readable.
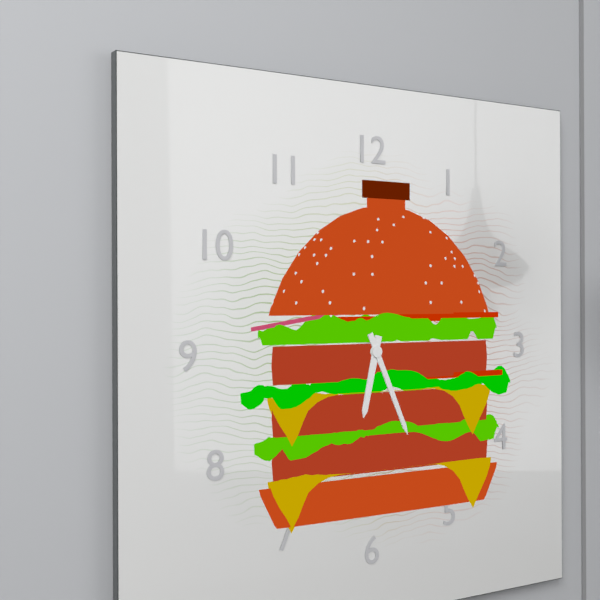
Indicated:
6.26
